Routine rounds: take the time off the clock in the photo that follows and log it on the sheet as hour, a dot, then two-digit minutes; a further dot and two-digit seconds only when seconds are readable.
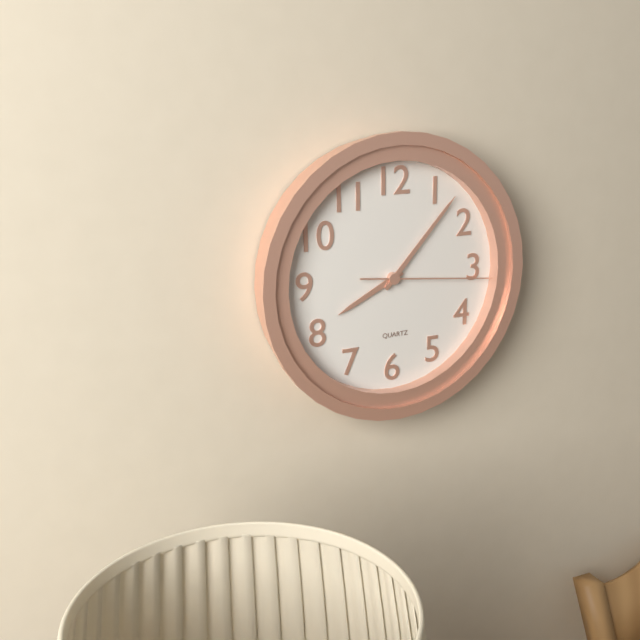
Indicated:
8.07.16
